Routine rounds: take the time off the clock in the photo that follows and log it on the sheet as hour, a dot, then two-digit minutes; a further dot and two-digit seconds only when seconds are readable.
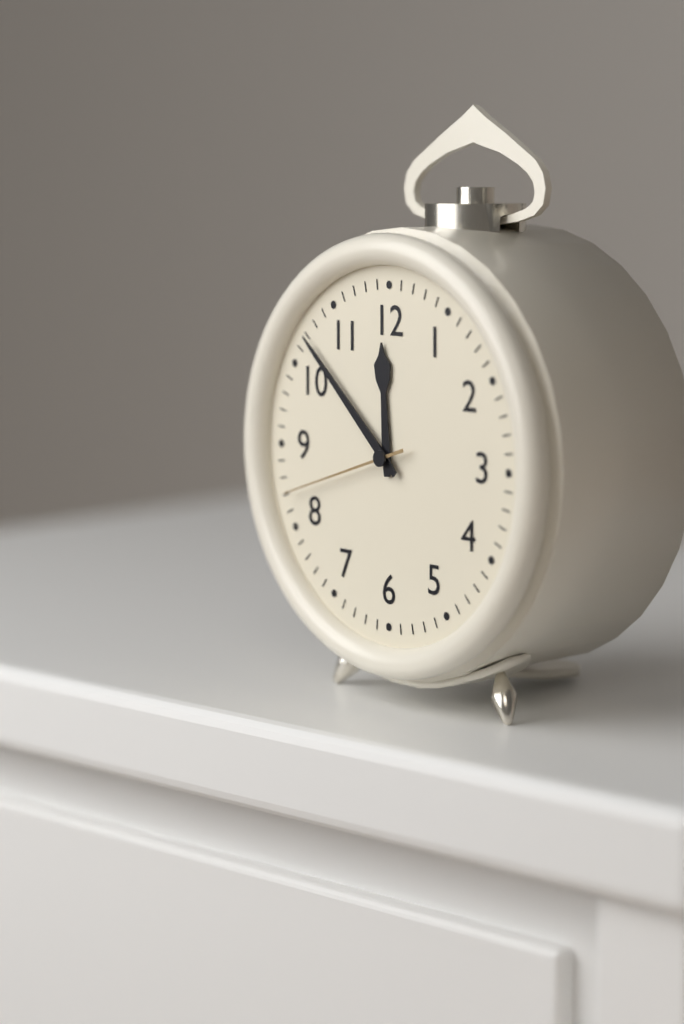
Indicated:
11.52.42
